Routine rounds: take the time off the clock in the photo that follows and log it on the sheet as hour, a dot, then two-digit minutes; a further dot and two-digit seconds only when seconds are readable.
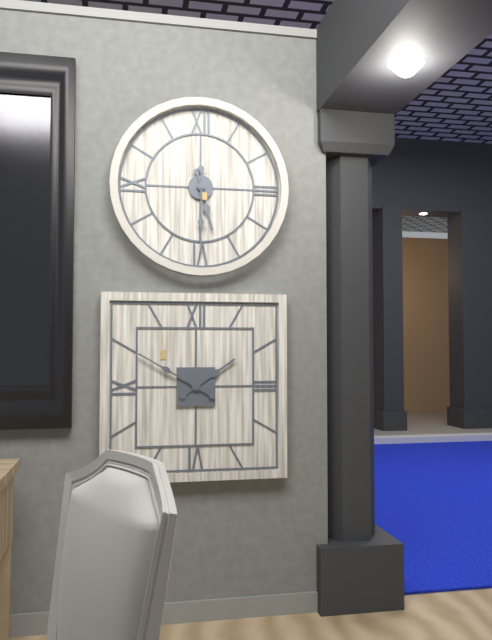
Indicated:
5.30
